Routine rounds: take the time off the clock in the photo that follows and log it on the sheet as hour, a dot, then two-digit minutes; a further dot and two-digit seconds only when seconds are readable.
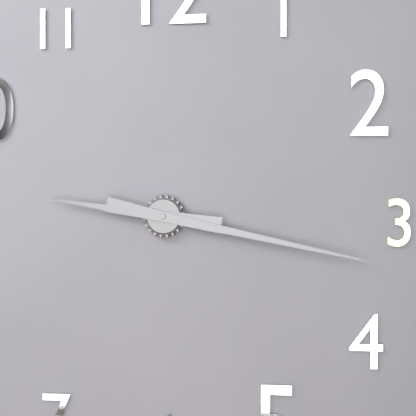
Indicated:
9.17
